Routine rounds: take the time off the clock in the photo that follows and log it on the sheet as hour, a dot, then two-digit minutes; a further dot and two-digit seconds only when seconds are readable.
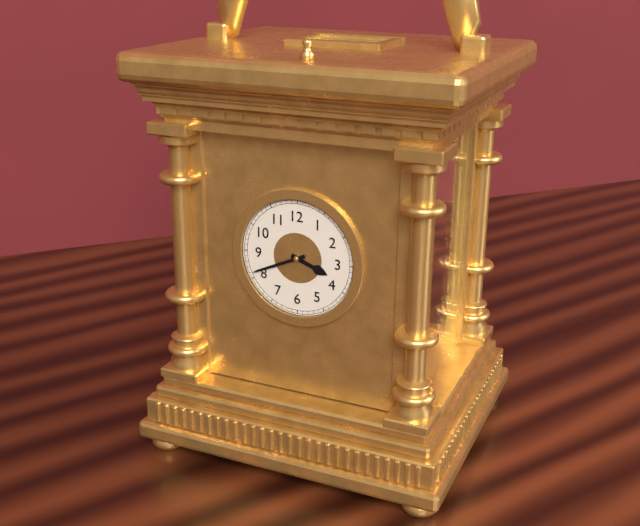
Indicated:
3.41
